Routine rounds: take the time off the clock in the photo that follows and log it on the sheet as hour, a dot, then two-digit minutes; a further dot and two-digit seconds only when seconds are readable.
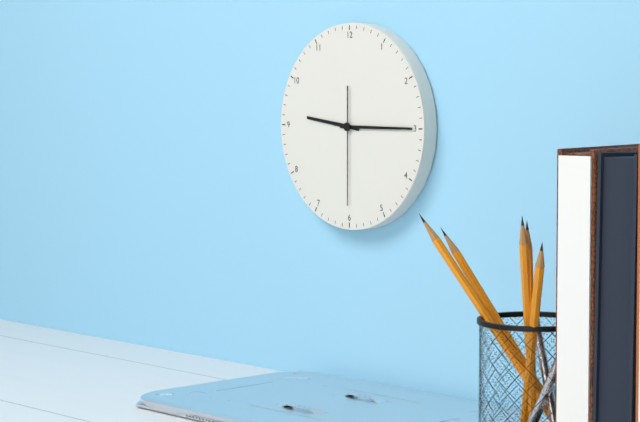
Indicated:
9.15.30
